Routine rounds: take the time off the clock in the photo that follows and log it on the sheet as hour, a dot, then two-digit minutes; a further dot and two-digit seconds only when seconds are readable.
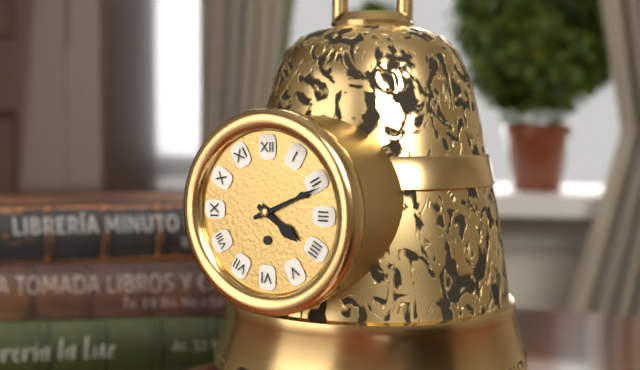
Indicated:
4.11
